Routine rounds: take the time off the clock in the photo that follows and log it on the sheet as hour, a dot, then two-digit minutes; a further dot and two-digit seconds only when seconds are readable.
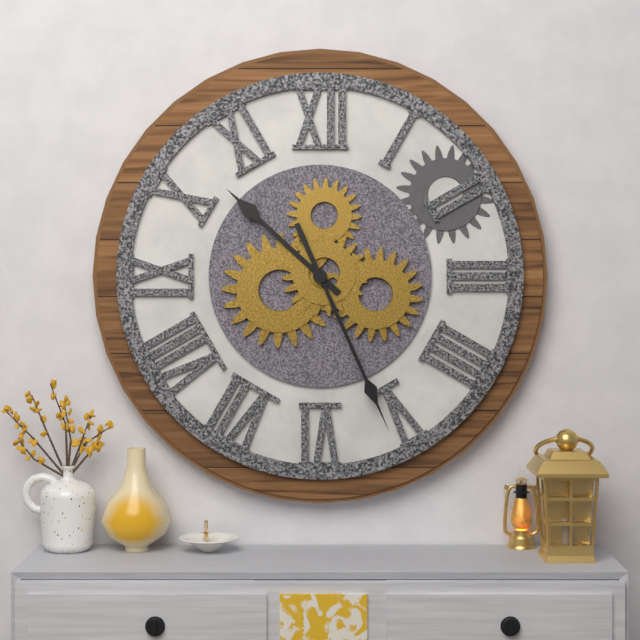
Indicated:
10.26
